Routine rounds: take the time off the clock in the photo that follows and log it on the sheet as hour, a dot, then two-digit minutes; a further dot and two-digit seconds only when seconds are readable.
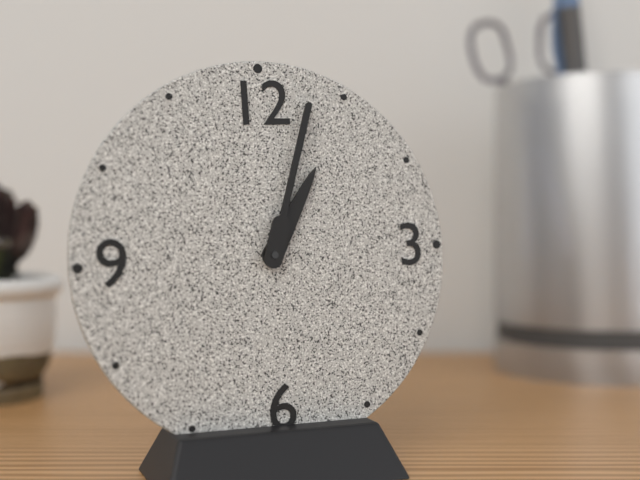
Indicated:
1.03
